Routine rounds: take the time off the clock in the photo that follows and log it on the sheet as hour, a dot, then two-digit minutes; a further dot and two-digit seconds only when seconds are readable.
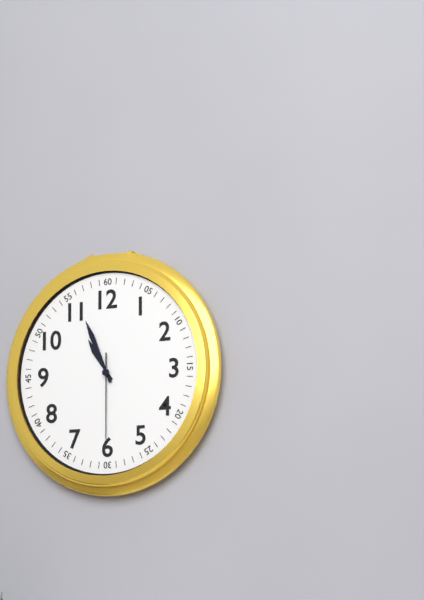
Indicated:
10.56.30
